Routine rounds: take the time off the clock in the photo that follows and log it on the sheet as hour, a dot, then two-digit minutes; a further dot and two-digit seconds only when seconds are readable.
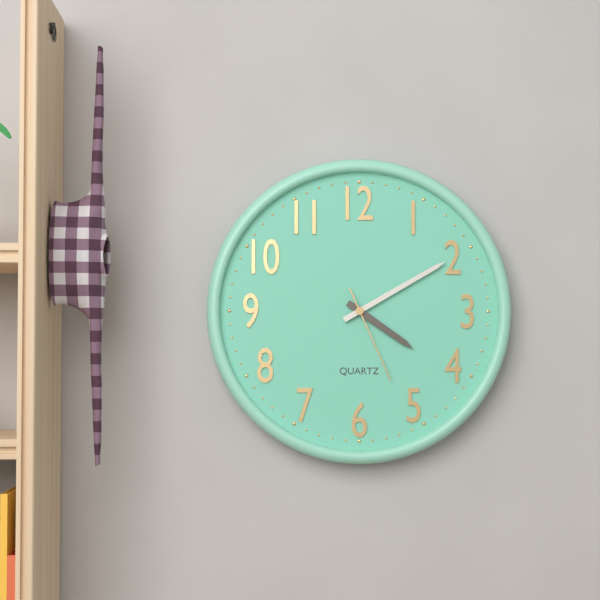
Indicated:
4.10.26
